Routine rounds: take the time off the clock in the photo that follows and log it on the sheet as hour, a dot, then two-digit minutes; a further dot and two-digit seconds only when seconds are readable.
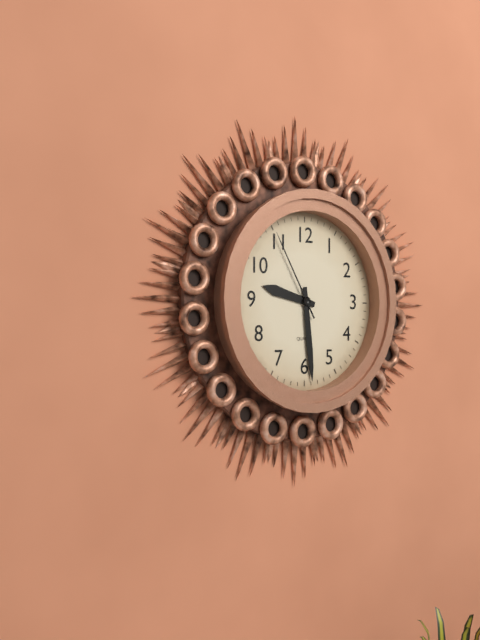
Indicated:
9.29.55
